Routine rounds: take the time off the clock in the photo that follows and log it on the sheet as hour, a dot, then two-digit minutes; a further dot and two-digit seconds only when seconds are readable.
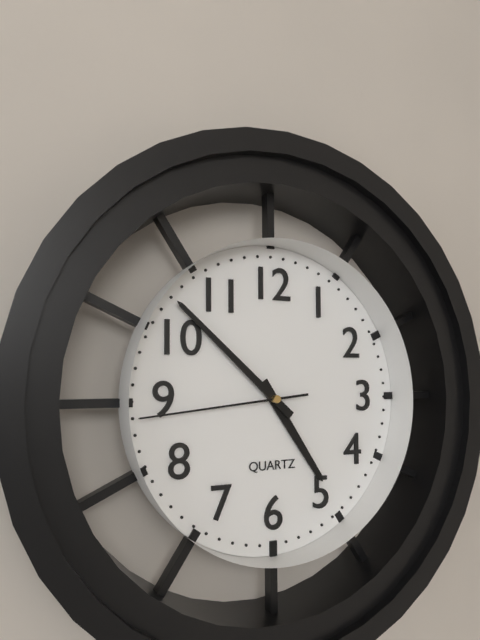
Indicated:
4.52.44
